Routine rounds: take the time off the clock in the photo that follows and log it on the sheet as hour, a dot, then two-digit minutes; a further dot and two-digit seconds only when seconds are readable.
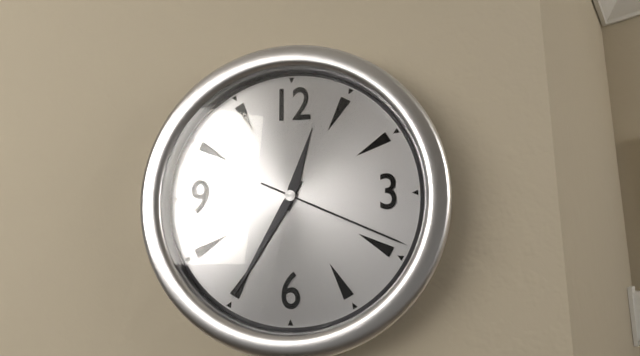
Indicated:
12.35.19
